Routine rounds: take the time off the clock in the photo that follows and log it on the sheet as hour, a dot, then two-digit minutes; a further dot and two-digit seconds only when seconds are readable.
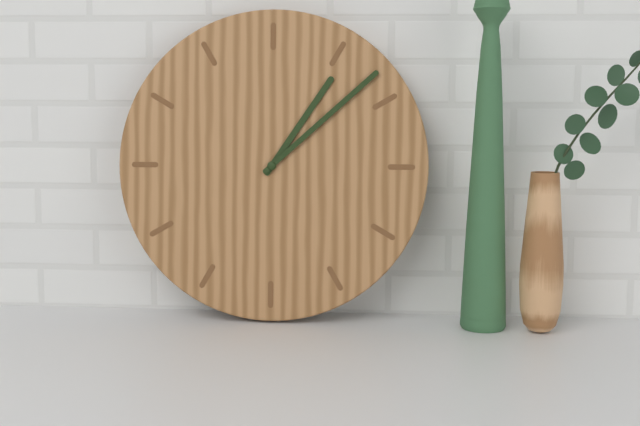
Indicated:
1.08
